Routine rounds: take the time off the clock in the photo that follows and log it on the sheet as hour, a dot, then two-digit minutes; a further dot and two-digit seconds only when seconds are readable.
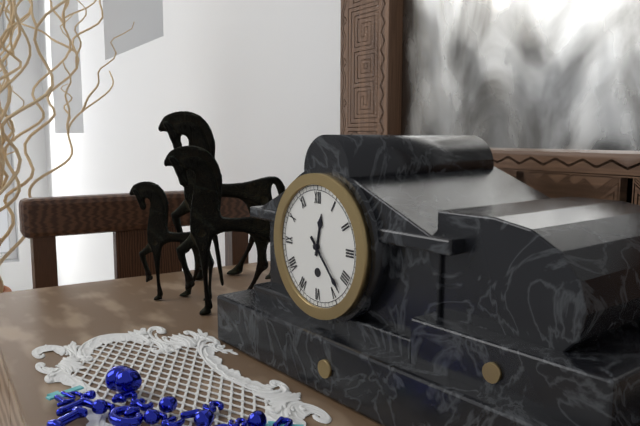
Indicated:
12.23
